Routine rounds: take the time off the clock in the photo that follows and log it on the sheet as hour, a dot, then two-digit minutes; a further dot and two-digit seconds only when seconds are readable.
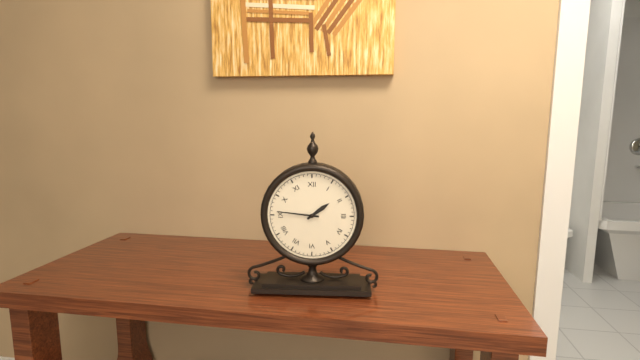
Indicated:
1.46
